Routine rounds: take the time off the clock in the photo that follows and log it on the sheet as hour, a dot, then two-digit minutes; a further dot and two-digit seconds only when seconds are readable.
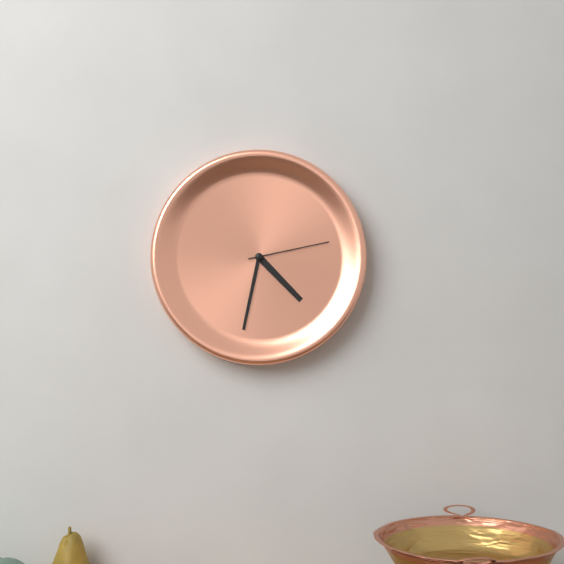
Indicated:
4.32.13
